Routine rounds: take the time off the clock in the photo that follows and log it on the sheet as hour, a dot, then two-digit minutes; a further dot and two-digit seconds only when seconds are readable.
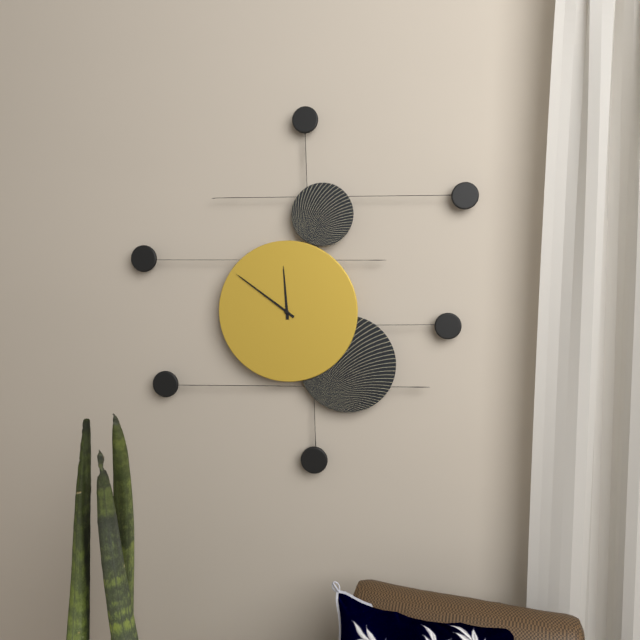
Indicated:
11.51
